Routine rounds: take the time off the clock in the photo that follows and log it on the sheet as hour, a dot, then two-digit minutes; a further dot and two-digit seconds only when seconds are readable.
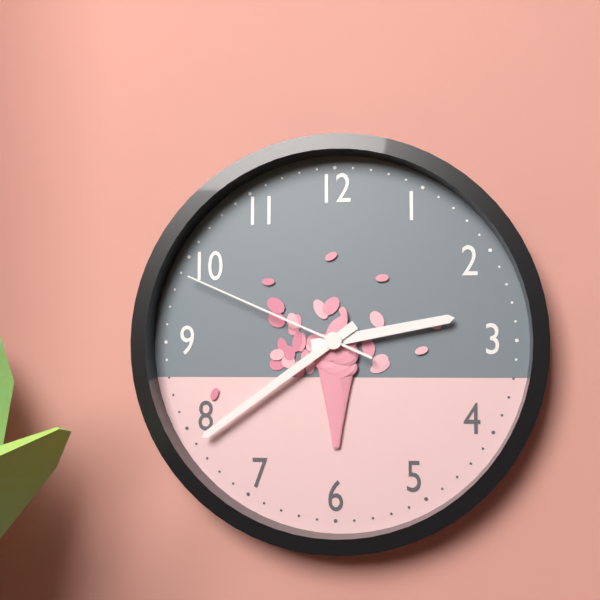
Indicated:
2.39.49
